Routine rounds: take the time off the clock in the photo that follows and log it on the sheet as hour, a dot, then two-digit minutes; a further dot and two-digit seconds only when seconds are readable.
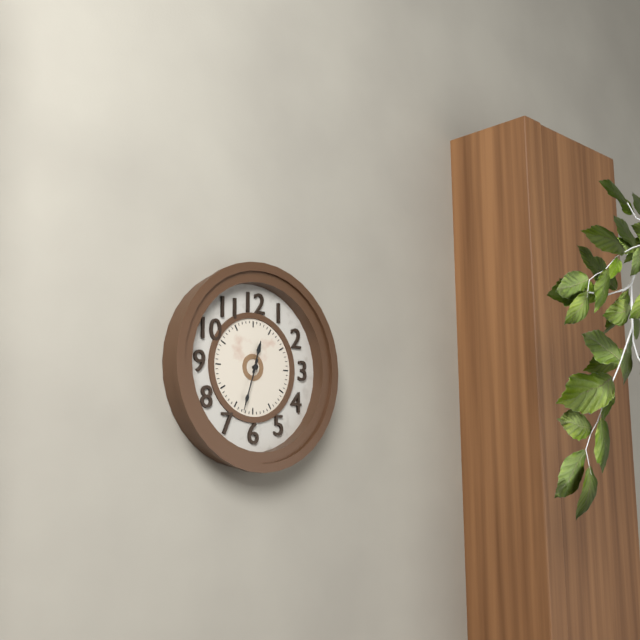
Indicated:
12.33
